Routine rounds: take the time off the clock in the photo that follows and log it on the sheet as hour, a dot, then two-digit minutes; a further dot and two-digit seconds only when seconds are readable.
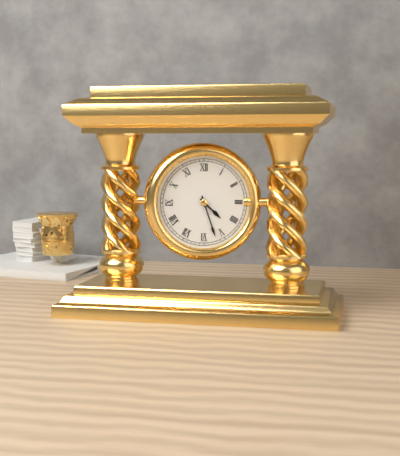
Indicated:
4.27
